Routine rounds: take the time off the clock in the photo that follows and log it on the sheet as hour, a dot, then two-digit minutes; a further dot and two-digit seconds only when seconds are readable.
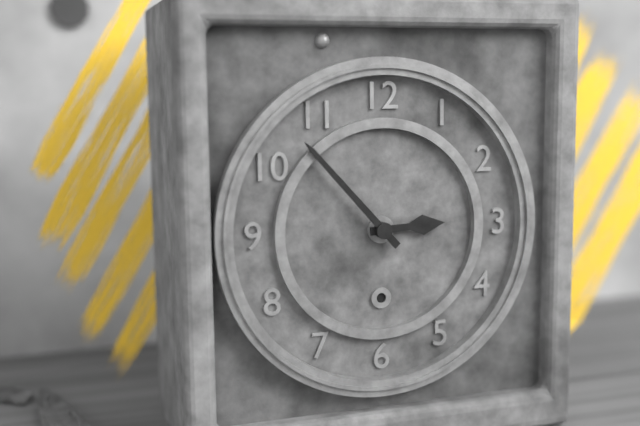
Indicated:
2.53
